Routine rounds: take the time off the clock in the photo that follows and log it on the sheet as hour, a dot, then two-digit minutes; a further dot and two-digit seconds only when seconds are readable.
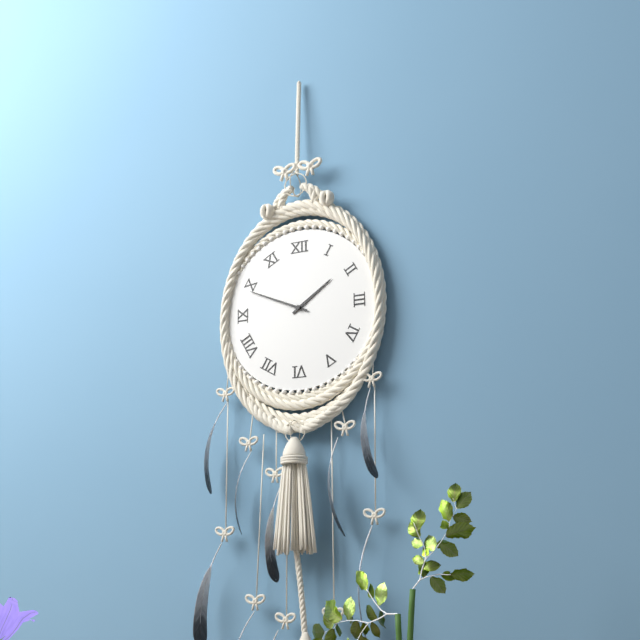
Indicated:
1.49
